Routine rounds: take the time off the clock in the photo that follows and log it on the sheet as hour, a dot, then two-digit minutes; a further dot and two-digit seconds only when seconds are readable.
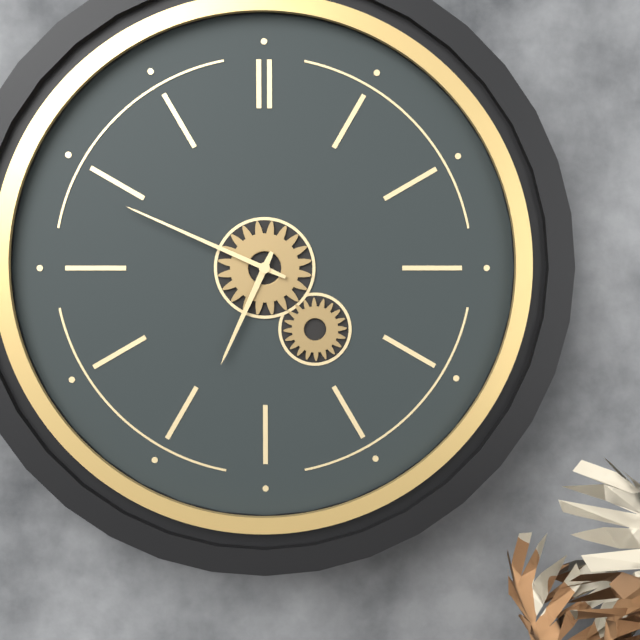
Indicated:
6.49
